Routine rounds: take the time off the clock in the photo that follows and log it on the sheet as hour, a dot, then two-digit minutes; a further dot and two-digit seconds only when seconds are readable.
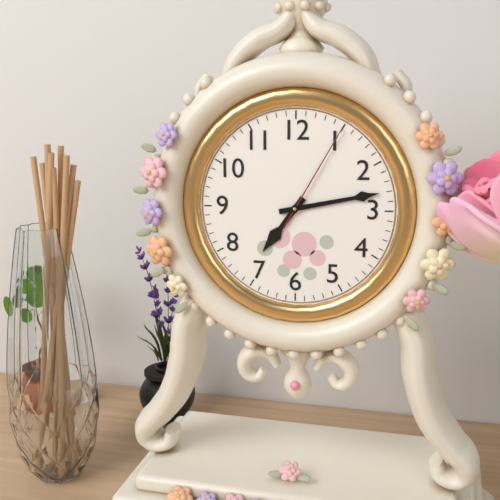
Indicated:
7.13.05
